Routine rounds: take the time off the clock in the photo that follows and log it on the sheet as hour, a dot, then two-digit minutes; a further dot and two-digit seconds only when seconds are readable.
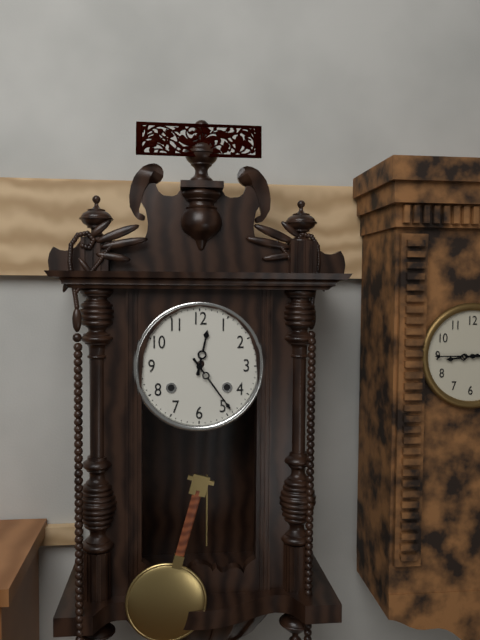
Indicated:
12.24
